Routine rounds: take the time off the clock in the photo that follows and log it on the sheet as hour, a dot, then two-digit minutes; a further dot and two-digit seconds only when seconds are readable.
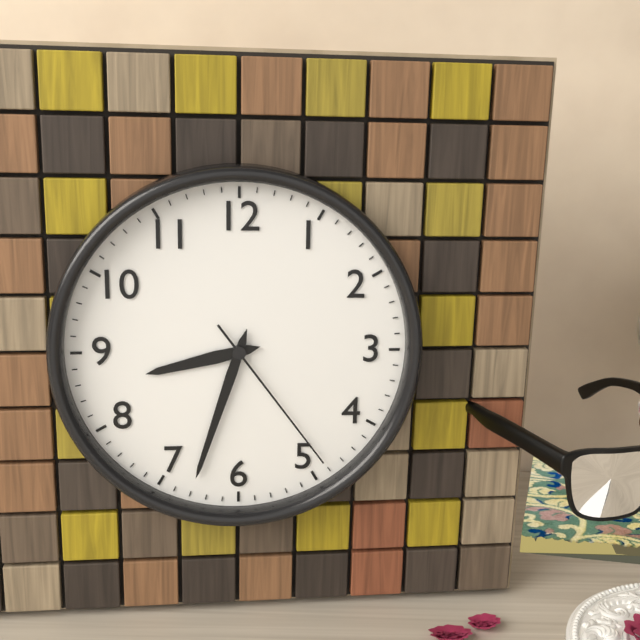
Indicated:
8.33.24
